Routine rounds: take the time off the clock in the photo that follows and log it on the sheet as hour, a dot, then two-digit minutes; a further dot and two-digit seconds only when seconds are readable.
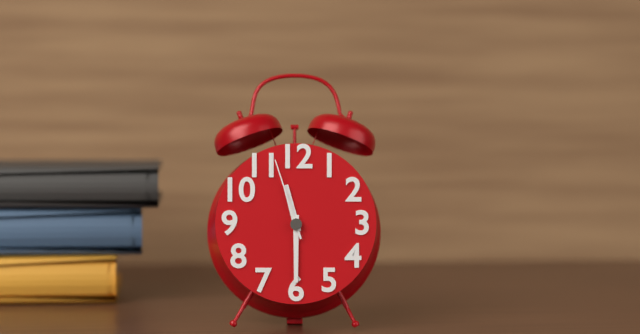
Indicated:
11.30.57
